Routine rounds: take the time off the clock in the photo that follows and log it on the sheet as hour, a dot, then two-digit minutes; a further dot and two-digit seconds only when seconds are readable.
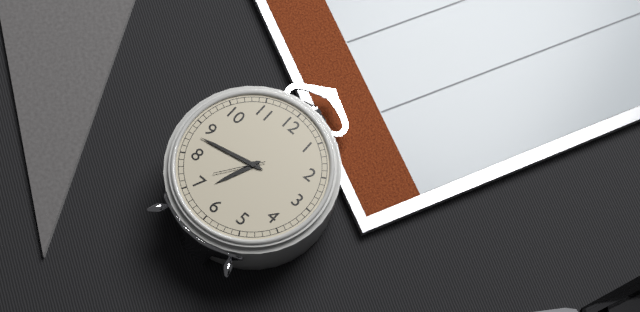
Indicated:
6.43.36
